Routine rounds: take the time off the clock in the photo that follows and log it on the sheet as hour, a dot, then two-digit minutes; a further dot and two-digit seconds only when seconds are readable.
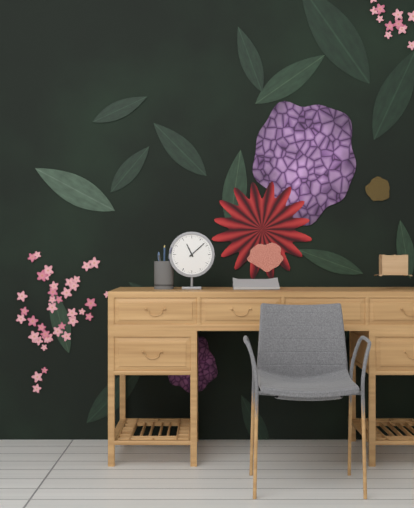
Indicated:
11.08
